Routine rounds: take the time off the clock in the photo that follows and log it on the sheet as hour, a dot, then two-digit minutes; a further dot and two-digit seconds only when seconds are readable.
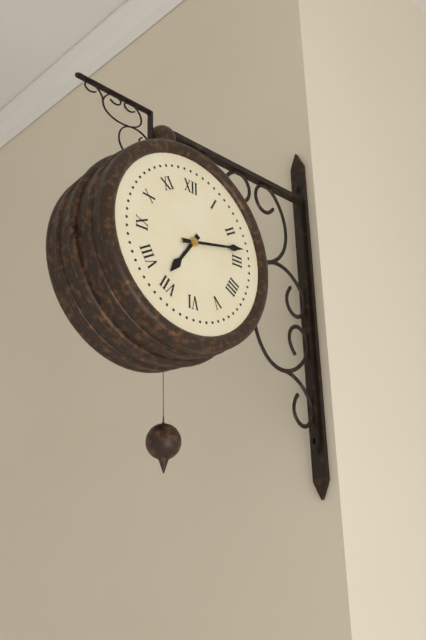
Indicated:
7.13
